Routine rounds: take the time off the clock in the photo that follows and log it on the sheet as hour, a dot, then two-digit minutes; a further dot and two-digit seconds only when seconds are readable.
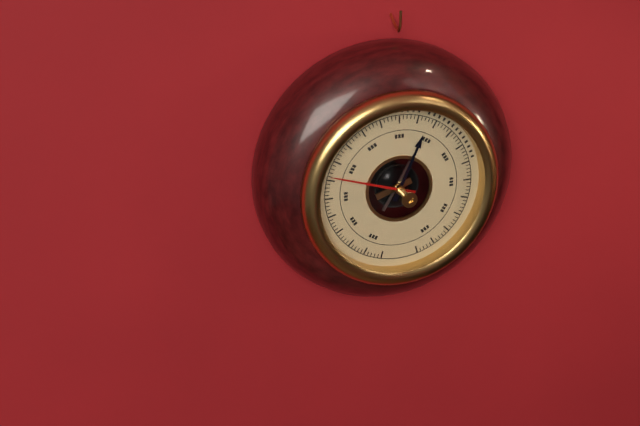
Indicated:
12.48
